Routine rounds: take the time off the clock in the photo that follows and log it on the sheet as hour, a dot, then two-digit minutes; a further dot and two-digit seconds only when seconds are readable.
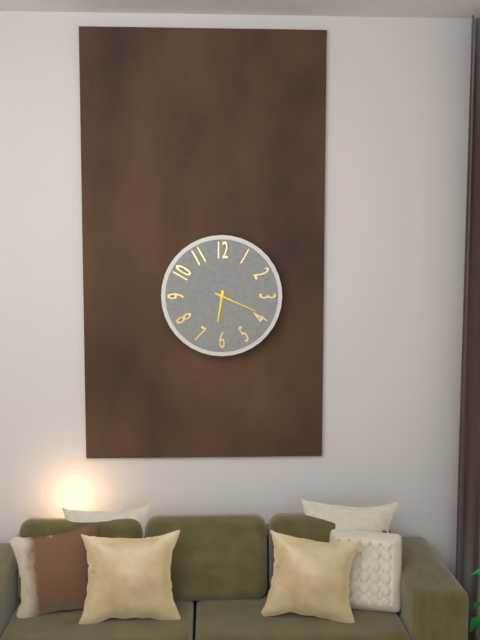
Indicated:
6.19
